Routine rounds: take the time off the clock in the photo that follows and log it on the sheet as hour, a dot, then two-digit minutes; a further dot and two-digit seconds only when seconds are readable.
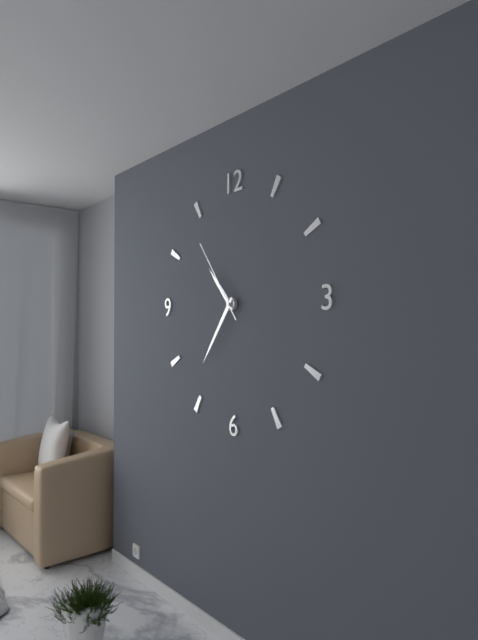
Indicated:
10.36.54
